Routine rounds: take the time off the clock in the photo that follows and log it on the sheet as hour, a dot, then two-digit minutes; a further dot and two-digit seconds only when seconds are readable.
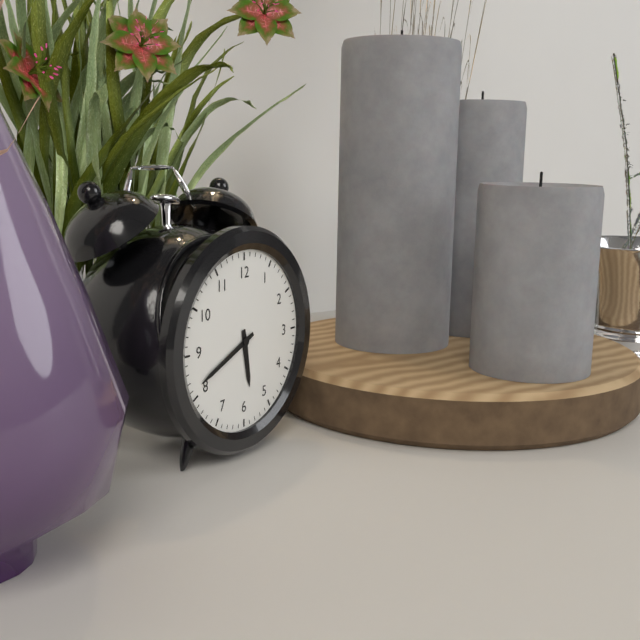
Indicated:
5.41
